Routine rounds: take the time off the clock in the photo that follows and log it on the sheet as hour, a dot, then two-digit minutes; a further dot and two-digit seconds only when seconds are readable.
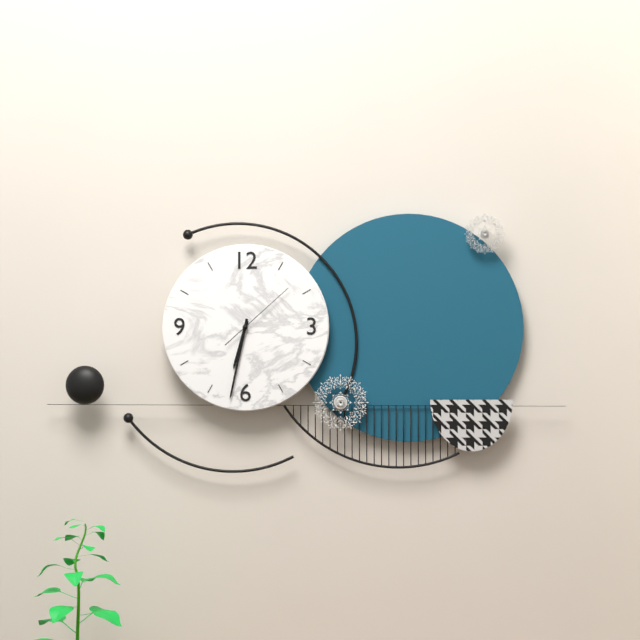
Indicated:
6.32.08
